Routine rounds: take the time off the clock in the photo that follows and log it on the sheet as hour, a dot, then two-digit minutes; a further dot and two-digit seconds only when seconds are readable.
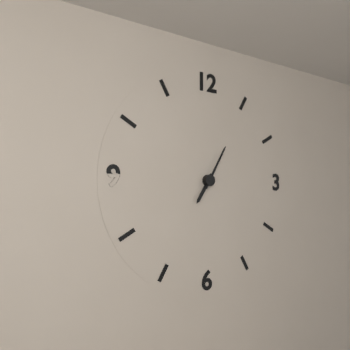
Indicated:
7.05
